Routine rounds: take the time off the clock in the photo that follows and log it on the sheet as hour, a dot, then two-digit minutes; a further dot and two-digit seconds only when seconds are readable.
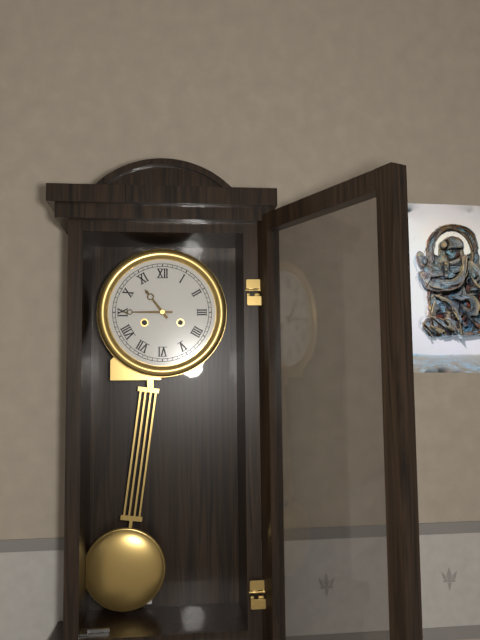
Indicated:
10.45
